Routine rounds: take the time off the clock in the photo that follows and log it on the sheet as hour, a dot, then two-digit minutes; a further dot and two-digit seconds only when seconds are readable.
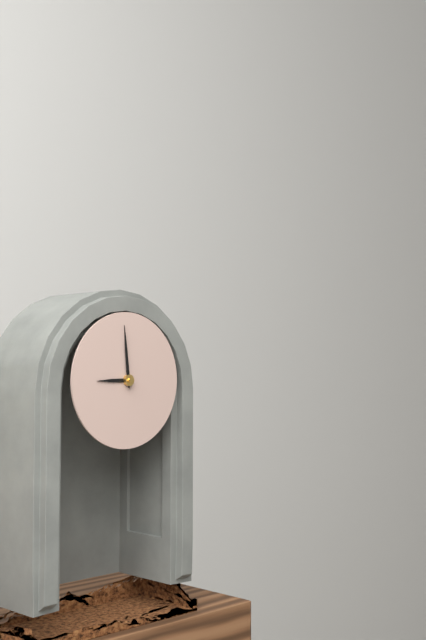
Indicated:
8.59
